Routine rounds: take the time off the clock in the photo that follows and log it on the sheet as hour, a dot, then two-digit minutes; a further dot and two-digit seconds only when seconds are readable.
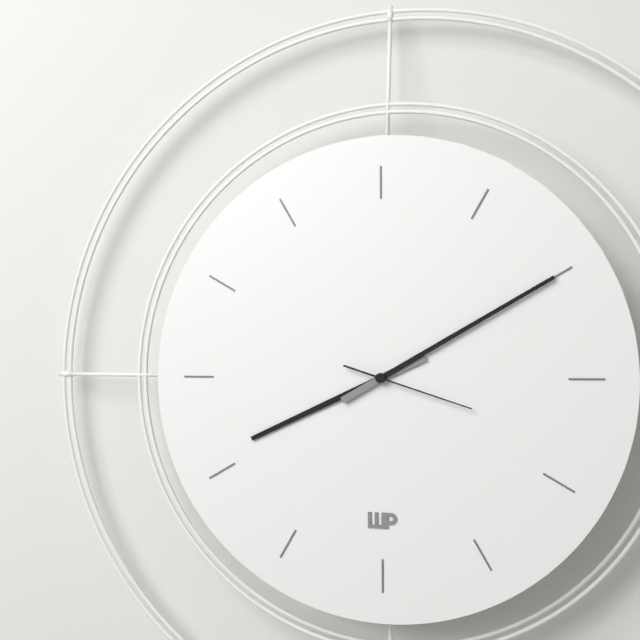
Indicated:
8.10.18
